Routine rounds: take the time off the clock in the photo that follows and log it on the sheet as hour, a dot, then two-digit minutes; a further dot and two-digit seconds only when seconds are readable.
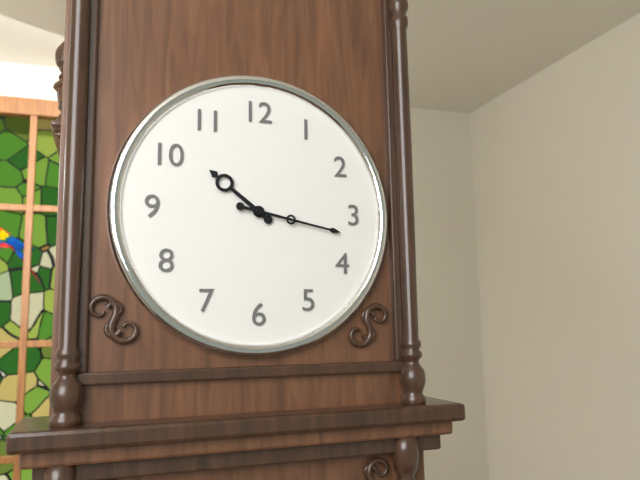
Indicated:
10.17
